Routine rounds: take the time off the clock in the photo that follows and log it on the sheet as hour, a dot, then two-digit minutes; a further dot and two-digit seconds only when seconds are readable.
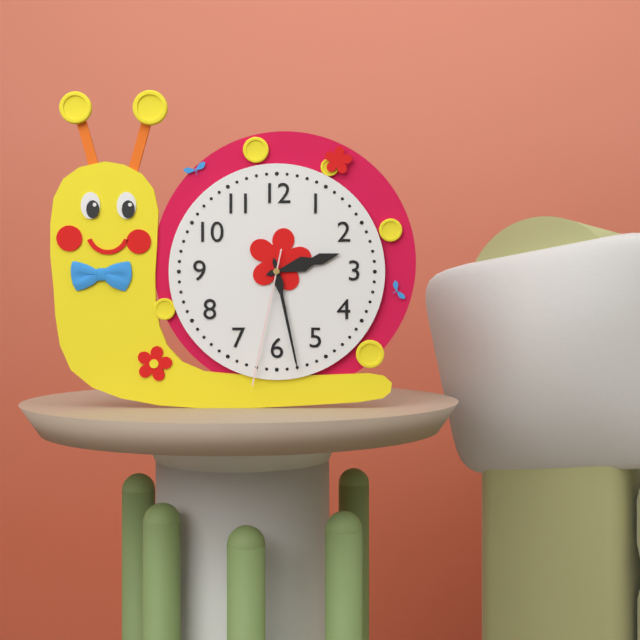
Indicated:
2.28.32
